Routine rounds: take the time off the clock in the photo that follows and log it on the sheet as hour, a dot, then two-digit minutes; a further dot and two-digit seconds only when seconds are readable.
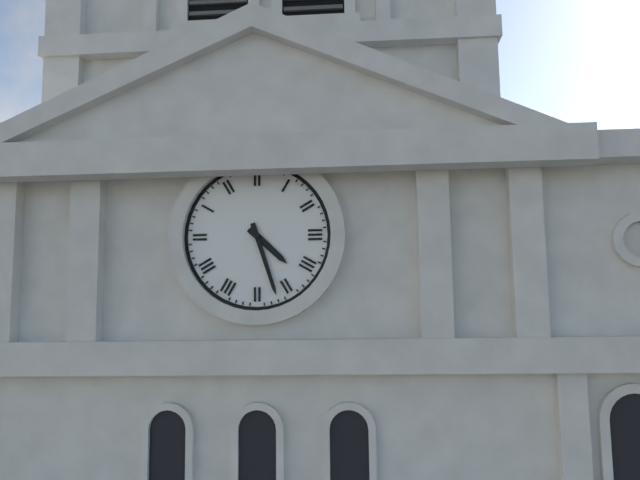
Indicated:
4.27
